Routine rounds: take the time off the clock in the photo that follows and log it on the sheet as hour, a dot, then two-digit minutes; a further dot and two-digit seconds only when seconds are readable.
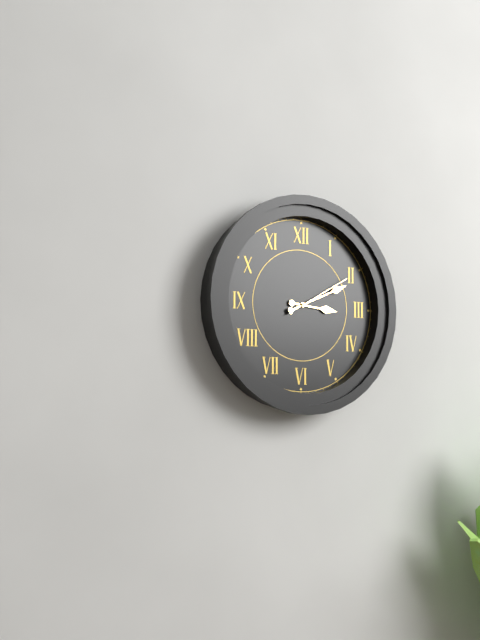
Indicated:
3.11.10
